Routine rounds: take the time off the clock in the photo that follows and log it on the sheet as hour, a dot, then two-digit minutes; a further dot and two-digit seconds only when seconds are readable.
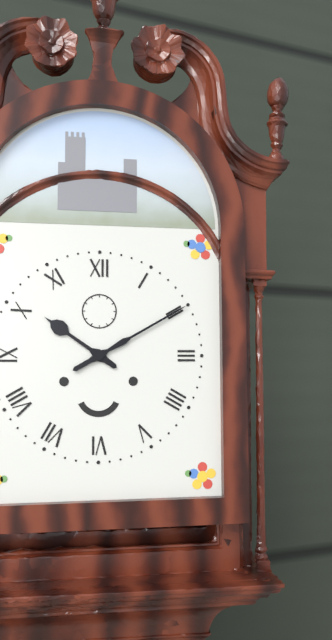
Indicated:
10.10
